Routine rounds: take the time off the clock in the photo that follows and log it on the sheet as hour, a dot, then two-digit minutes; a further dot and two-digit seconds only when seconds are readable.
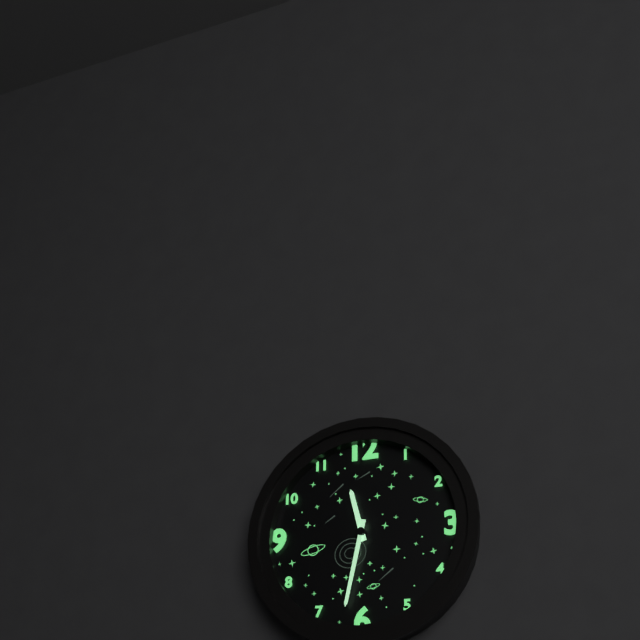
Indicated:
11.32
